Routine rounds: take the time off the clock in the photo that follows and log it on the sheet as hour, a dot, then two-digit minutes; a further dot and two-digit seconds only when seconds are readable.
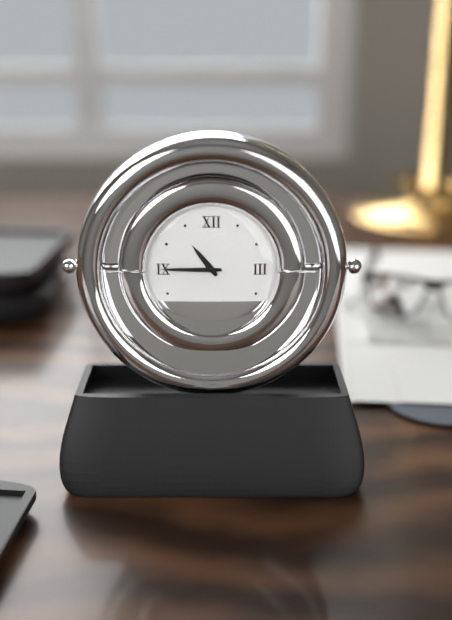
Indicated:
10.45
